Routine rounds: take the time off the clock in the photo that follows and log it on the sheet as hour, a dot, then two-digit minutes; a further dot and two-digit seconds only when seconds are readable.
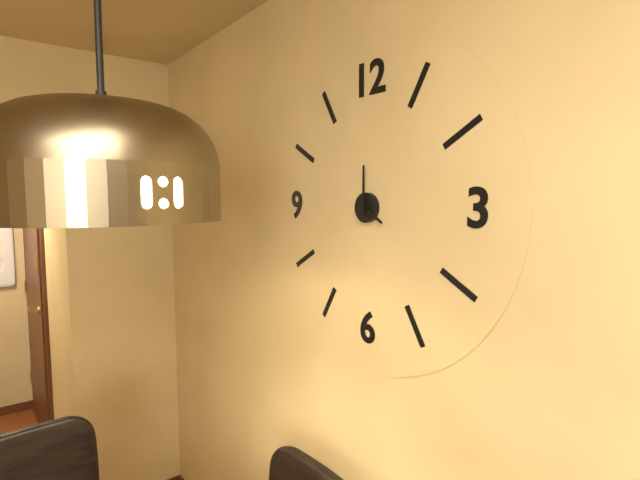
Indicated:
4.00
